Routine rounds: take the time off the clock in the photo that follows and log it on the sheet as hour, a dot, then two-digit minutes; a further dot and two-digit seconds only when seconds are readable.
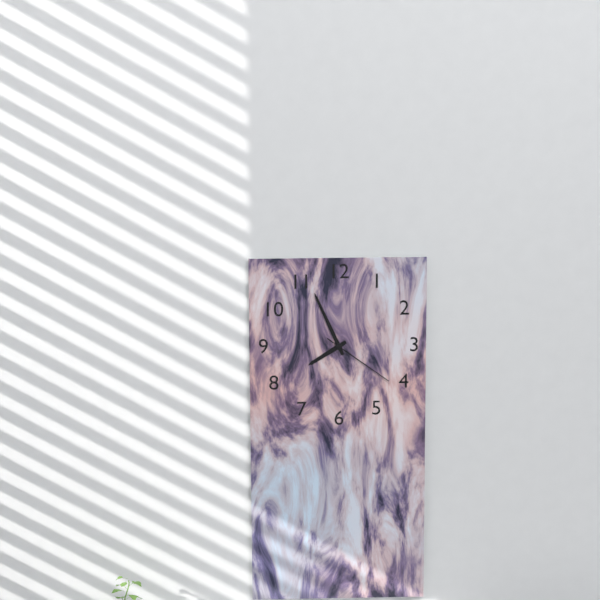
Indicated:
7.56.21
